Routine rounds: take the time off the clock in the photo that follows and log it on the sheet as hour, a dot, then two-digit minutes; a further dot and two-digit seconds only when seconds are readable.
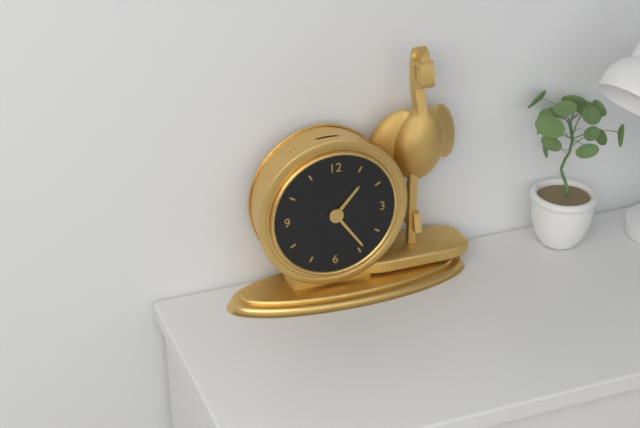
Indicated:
1.24
